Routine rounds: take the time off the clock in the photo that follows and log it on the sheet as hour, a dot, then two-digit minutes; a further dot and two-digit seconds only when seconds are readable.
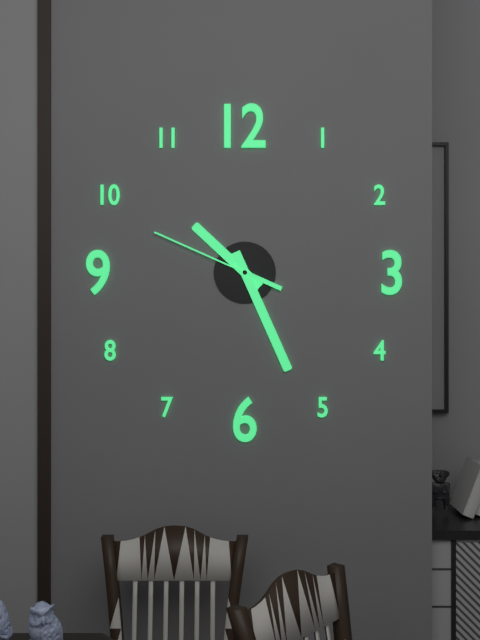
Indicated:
10.26.49
